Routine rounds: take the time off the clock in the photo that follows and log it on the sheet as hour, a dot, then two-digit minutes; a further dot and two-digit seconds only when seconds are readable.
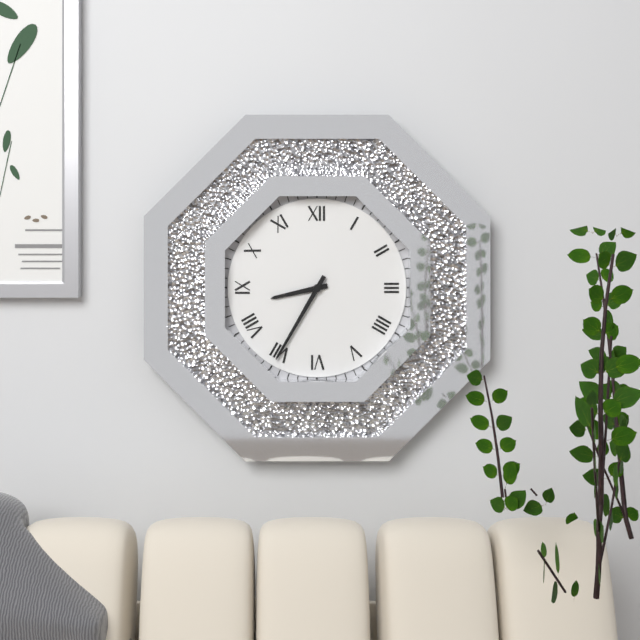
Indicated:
8.35
